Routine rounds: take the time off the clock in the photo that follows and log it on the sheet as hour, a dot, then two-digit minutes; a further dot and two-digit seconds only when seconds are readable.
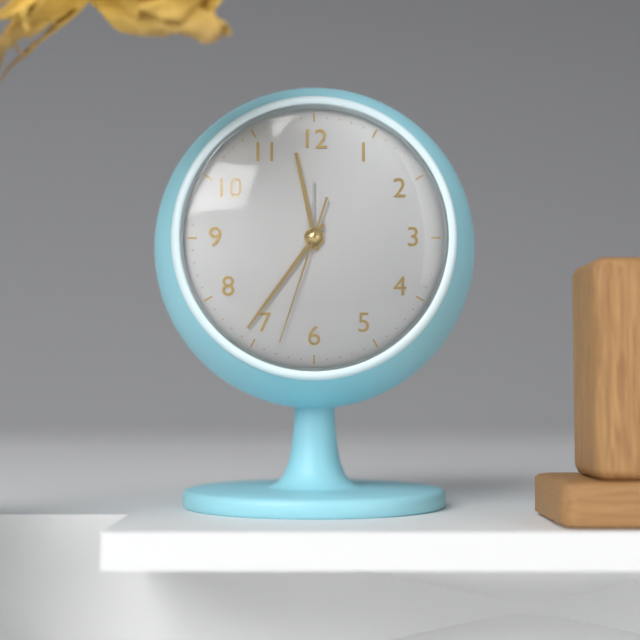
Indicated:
11.36.33
